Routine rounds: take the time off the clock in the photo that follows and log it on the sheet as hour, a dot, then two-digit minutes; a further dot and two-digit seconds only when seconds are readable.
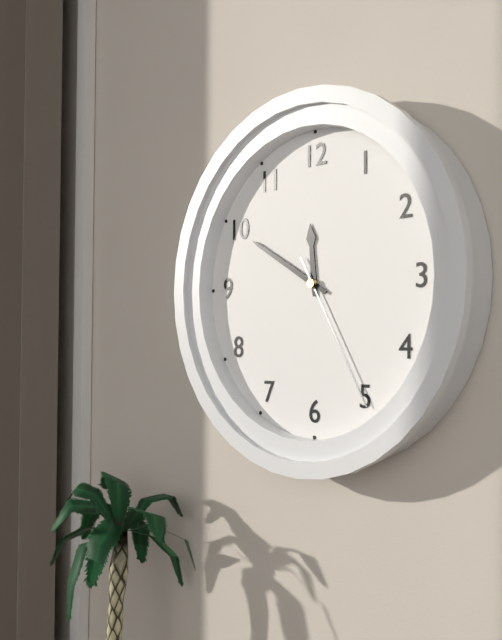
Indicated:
11.50.25
